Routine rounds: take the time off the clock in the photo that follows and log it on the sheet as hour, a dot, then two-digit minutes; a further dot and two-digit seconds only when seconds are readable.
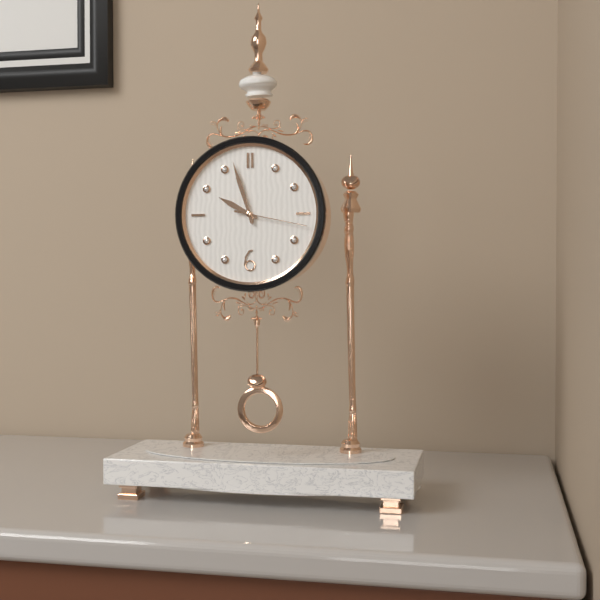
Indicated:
9.57.17
